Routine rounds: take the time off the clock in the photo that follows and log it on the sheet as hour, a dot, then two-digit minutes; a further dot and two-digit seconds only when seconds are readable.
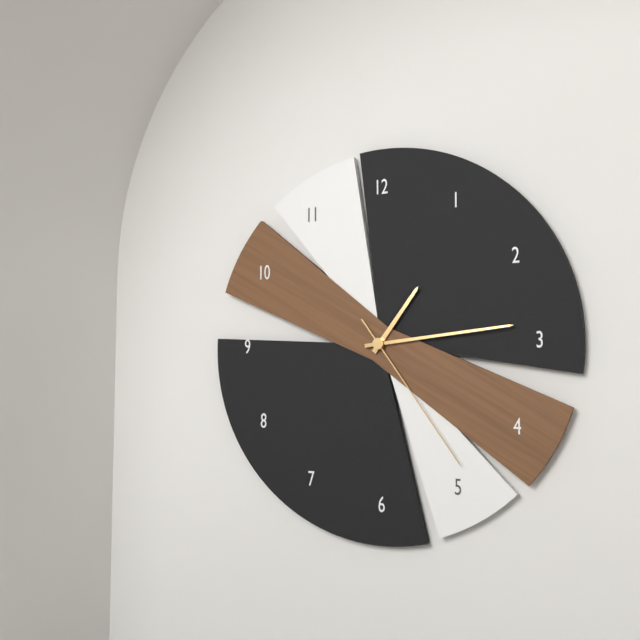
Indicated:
1.14.24
